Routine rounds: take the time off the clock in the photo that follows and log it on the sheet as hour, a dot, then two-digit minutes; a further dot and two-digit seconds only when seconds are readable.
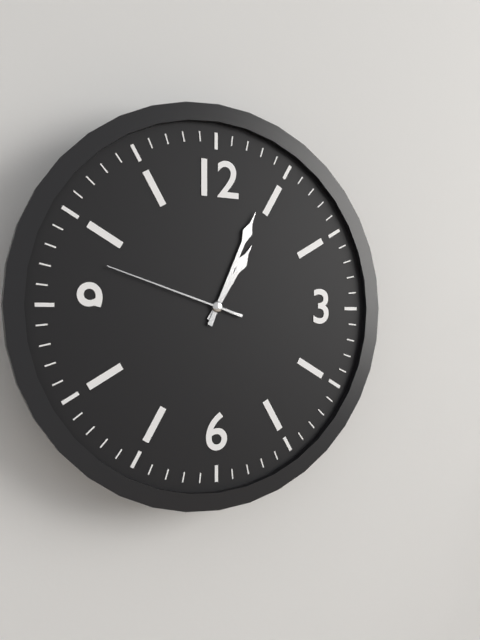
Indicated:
1.04.48
